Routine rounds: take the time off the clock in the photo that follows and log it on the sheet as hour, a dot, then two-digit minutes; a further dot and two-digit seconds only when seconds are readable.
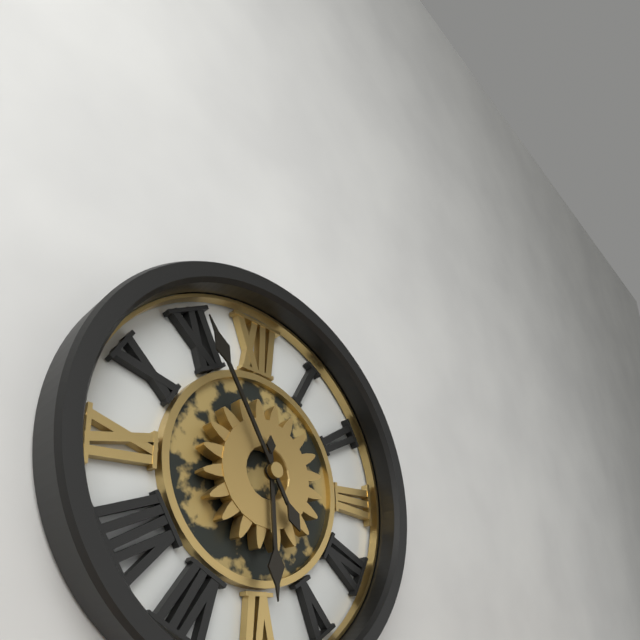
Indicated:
5.55
